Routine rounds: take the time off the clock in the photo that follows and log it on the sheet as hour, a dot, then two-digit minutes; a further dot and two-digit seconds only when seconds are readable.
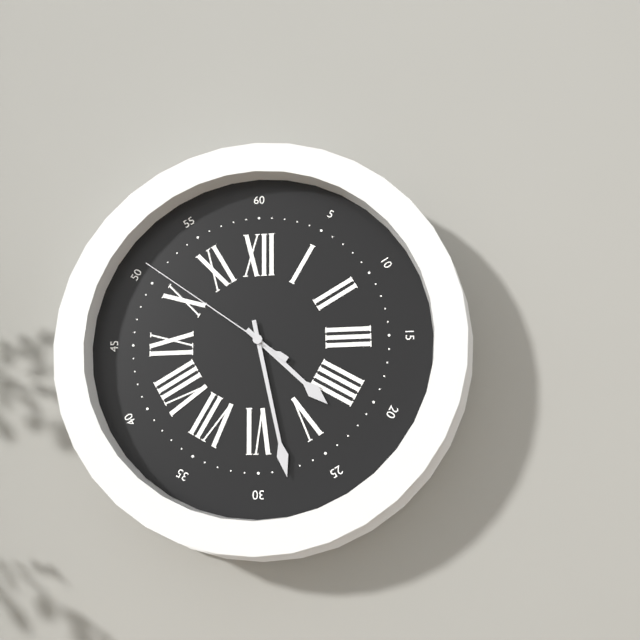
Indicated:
4.28.51
